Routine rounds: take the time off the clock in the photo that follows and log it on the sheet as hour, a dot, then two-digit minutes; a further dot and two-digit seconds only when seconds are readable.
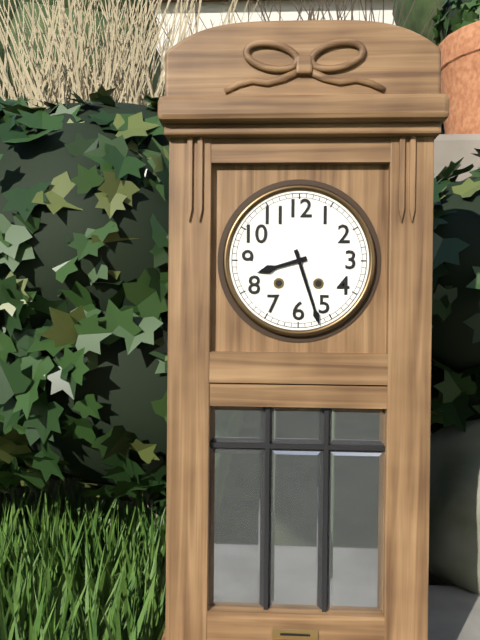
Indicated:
8.27
